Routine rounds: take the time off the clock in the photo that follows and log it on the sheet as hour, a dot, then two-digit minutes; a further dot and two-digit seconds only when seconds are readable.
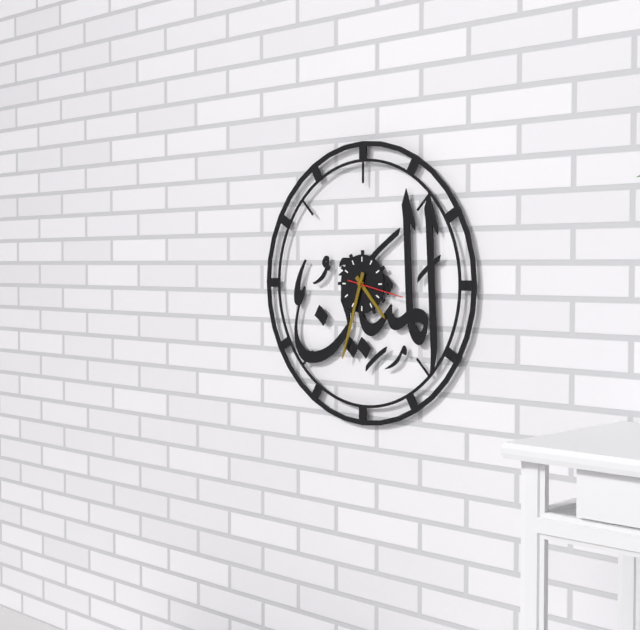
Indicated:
4.33
